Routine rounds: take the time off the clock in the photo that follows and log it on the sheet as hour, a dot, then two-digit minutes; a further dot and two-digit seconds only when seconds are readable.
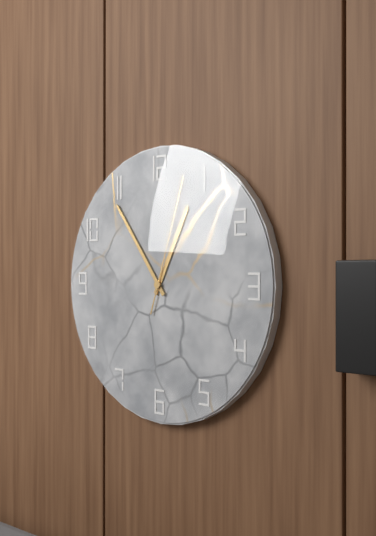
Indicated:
12.54.03
